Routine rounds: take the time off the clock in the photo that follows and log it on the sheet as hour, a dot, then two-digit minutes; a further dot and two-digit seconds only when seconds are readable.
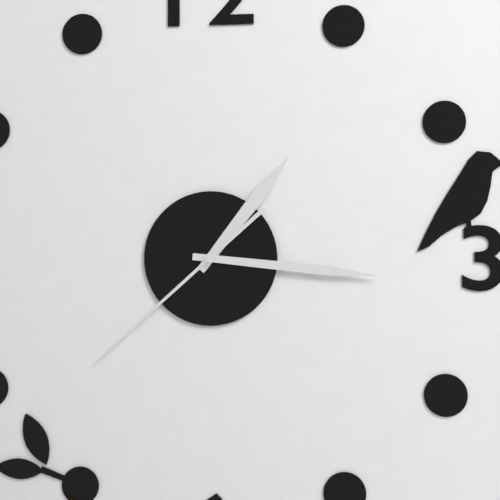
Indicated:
1.16.38
